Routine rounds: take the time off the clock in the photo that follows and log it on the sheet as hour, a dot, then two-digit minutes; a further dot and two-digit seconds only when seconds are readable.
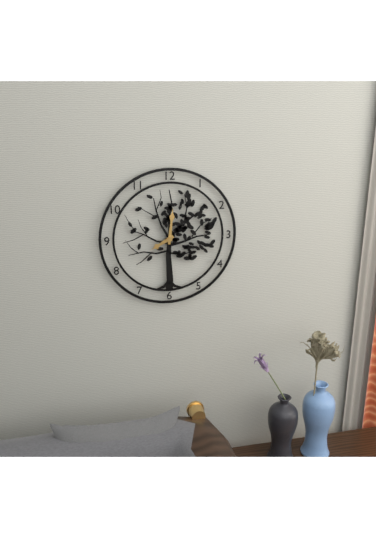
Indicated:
8.01
